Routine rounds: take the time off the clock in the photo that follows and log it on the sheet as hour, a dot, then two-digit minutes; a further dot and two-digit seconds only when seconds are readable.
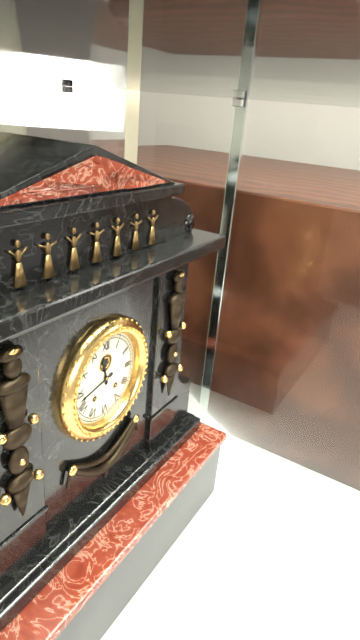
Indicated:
11.43
